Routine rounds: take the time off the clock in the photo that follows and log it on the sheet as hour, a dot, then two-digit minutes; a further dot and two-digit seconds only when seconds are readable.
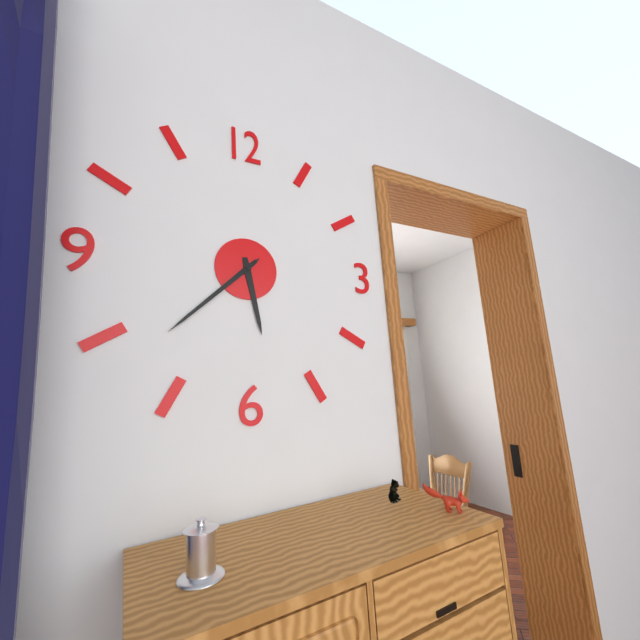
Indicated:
5.38.38
